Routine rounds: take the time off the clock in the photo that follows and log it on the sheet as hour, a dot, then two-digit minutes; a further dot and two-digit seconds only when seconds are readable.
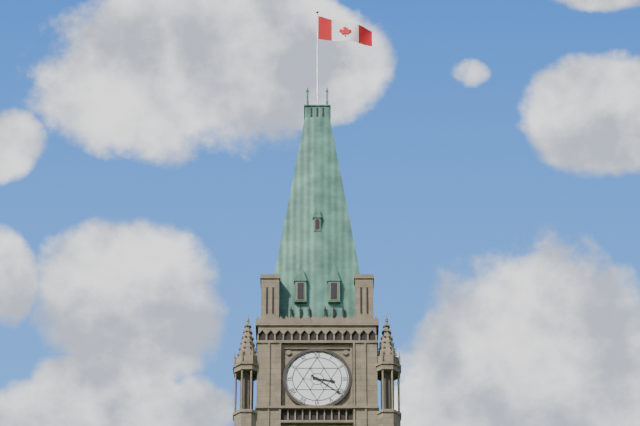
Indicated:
3.21
